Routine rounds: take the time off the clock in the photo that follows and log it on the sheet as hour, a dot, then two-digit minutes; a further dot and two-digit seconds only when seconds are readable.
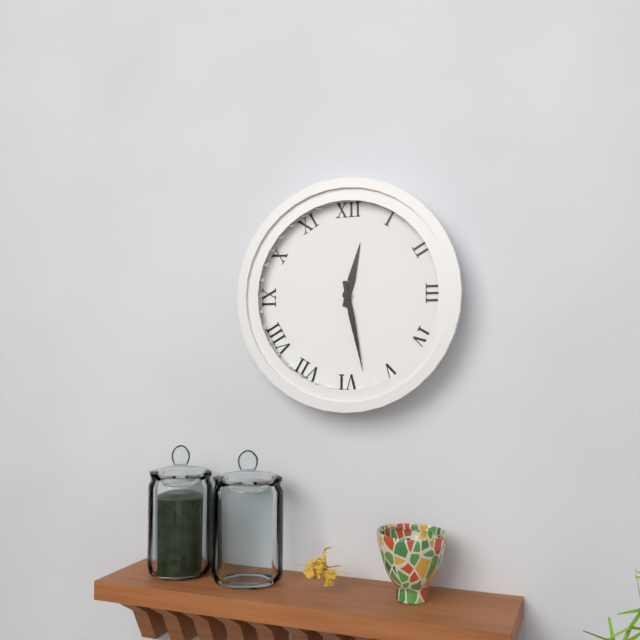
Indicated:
12.28
